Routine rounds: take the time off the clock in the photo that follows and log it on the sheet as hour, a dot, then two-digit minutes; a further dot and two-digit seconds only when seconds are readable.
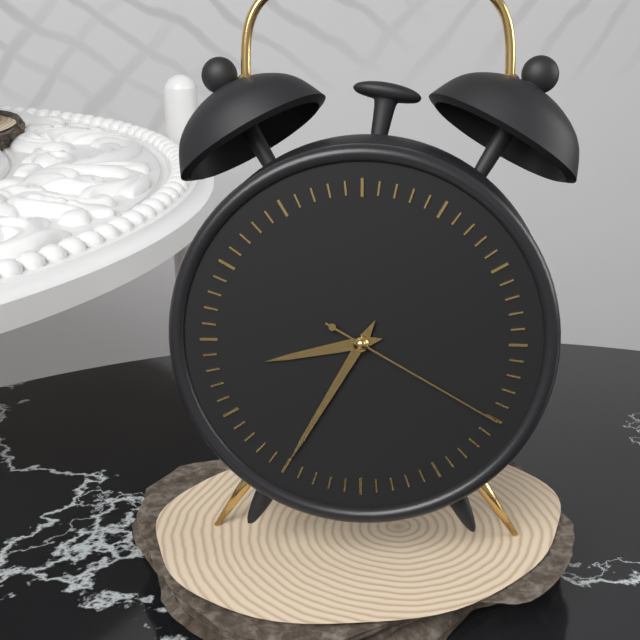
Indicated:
8.35.20
